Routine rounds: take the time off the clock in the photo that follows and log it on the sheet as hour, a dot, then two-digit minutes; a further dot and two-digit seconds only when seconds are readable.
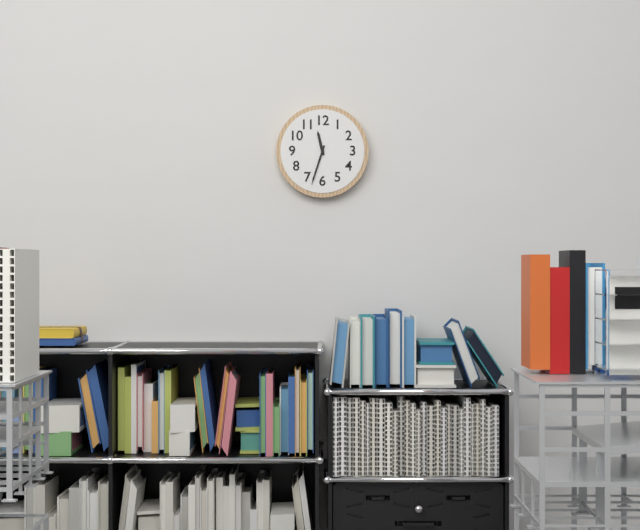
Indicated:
11.33
